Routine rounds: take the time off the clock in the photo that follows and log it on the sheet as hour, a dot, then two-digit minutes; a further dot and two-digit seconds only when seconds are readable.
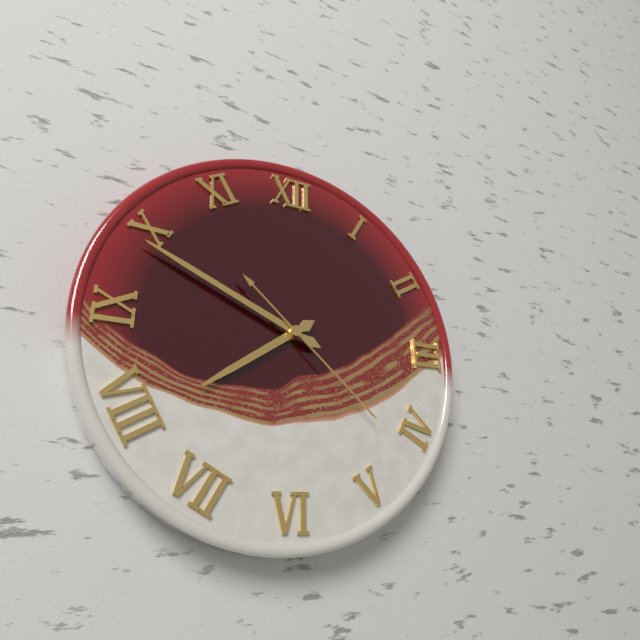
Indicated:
7.49.22
